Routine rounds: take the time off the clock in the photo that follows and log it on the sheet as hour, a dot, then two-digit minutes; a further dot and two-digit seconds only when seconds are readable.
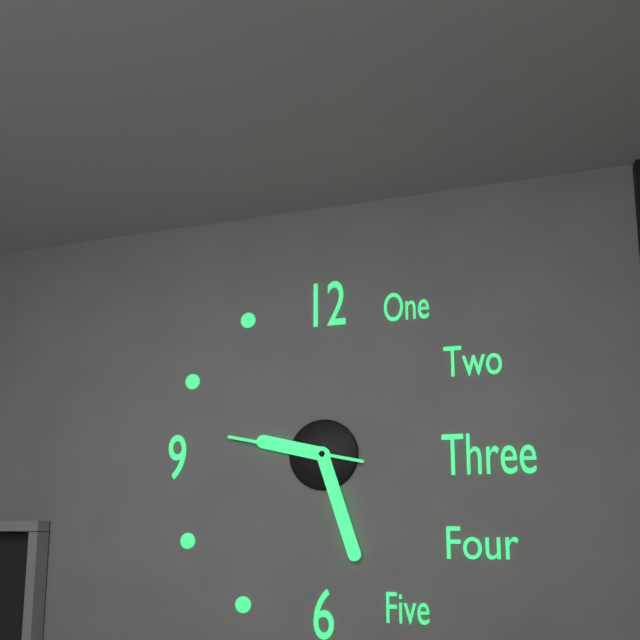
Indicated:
9.27.47
